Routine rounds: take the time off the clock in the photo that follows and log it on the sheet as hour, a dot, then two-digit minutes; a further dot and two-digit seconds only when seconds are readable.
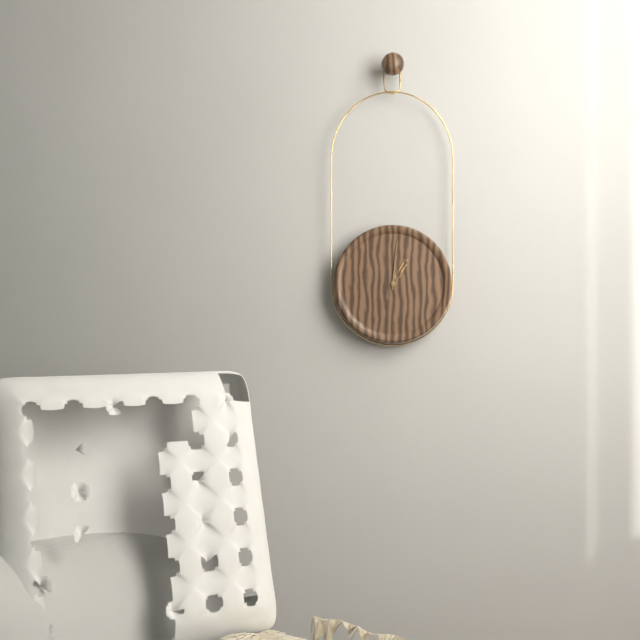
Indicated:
1.01
